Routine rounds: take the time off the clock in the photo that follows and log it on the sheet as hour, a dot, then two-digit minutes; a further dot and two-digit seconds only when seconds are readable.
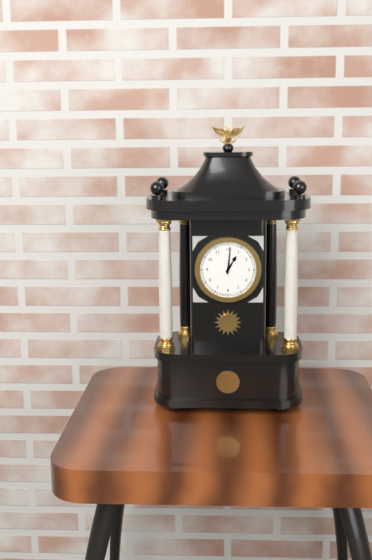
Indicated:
1.01
